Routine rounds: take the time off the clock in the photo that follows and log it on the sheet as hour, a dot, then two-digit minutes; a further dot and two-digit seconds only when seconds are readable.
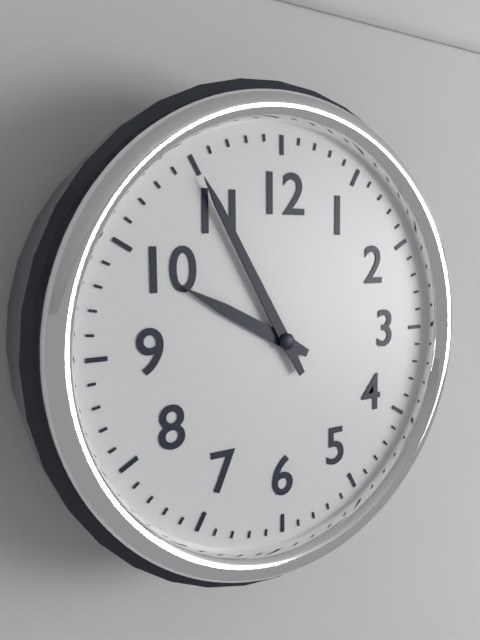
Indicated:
9.55
